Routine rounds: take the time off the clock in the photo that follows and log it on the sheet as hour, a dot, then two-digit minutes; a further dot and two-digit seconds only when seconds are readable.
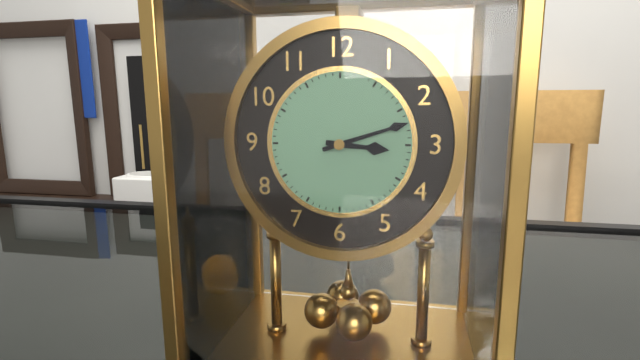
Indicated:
3.12
